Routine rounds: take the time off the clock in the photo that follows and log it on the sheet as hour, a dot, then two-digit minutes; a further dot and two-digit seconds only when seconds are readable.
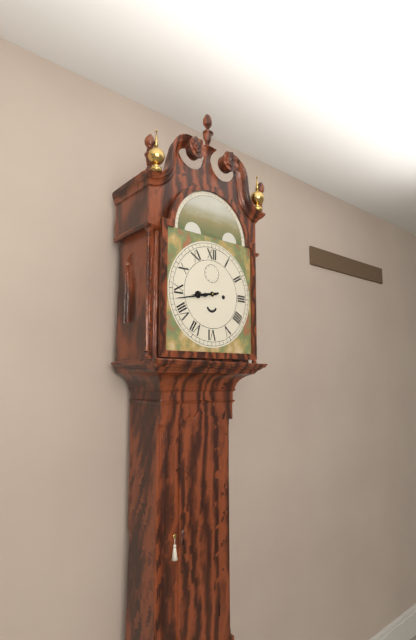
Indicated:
8.43
